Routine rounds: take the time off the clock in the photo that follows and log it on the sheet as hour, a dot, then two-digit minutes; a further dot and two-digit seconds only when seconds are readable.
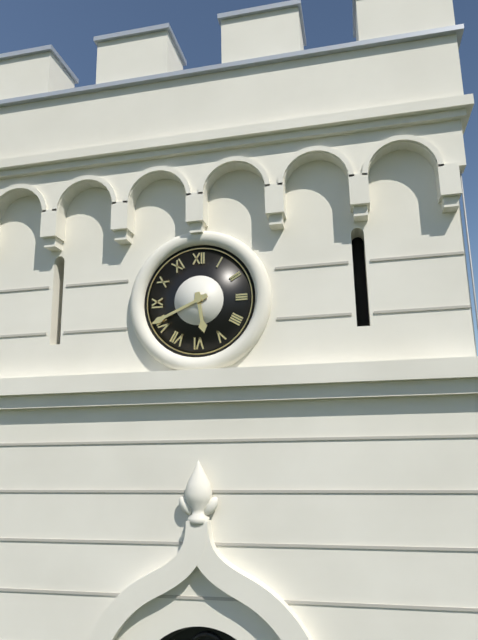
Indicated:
5.41
